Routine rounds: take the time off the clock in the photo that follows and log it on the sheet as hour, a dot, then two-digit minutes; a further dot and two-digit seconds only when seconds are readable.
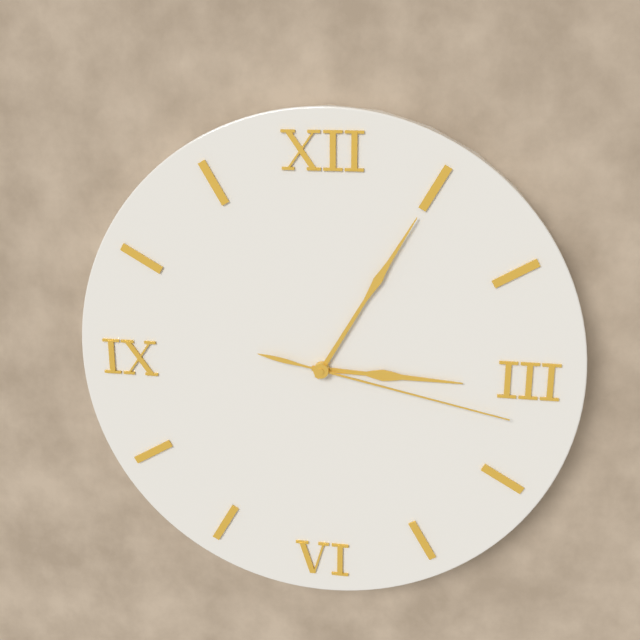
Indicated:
3.05.17
